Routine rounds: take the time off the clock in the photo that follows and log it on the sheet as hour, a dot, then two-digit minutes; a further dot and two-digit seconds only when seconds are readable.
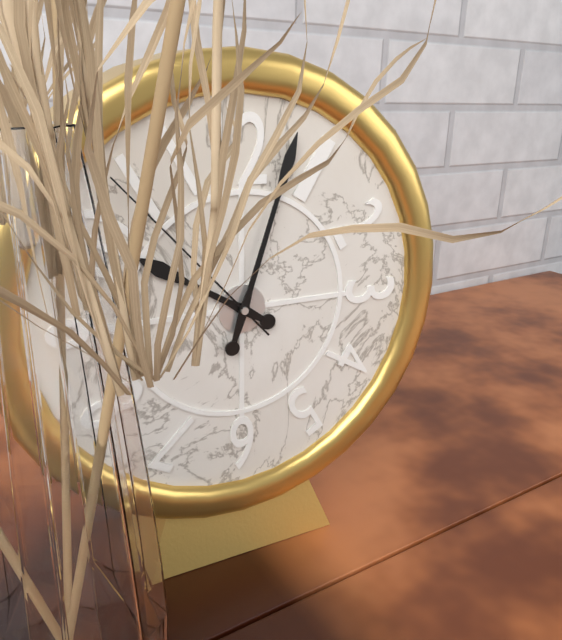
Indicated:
10.03.53
